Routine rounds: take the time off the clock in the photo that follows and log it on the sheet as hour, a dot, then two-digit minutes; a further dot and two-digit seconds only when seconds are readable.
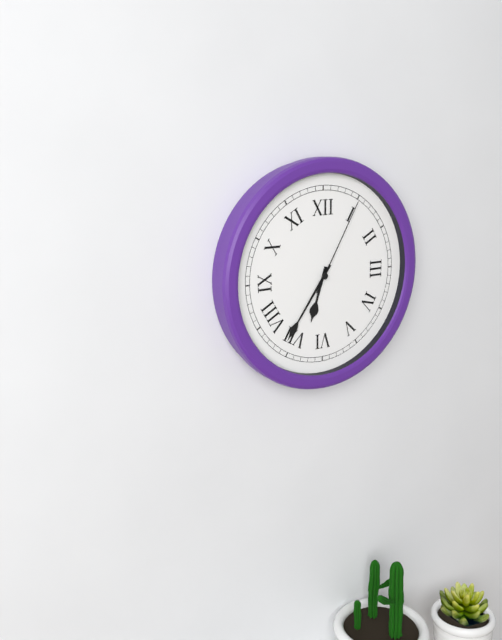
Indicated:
6.36.05
